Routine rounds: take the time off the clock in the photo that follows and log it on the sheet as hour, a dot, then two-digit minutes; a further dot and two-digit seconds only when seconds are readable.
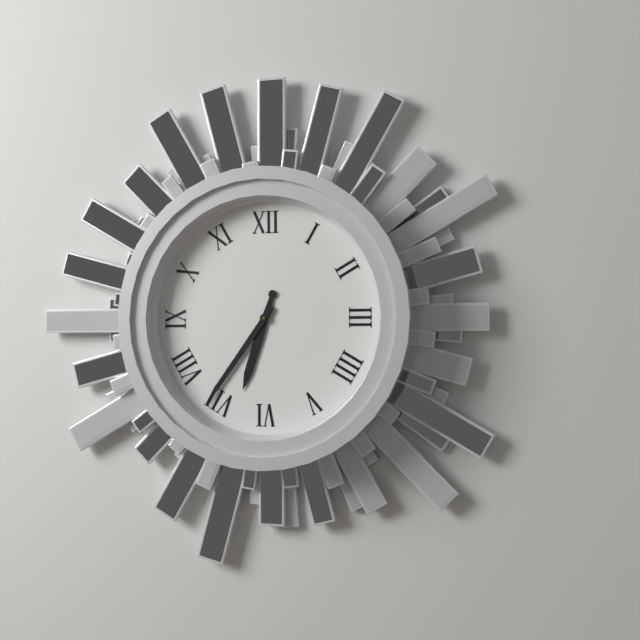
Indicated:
6.36
